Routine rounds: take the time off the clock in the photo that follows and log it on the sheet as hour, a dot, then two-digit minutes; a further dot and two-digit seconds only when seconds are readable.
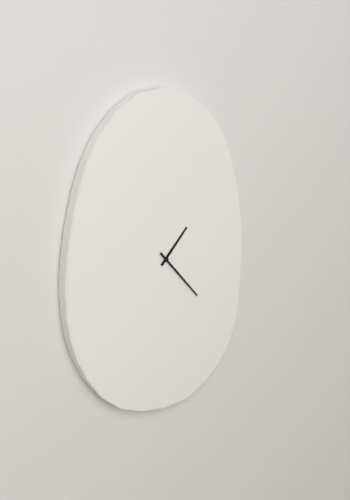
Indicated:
1.23
